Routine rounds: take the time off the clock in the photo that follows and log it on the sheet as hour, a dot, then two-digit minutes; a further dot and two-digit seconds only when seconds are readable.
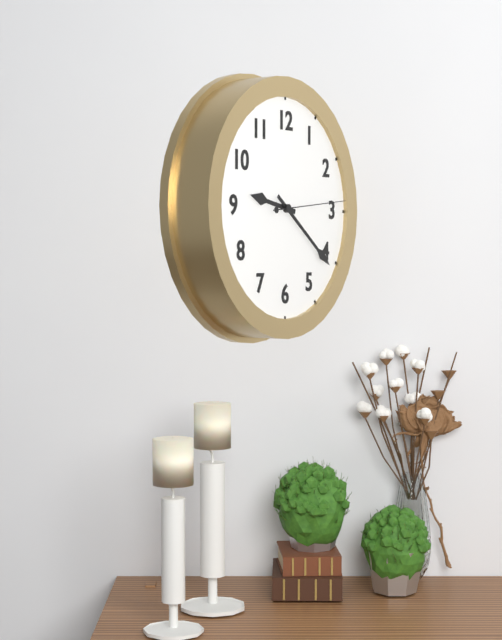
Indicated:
9.21.14
